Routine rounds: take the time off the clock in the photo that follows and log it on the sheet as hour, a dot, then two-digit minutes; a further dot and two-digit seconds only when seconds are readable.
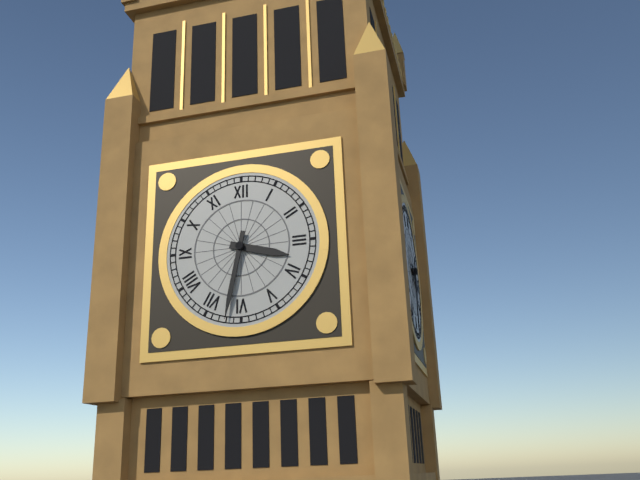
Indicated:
3.32
